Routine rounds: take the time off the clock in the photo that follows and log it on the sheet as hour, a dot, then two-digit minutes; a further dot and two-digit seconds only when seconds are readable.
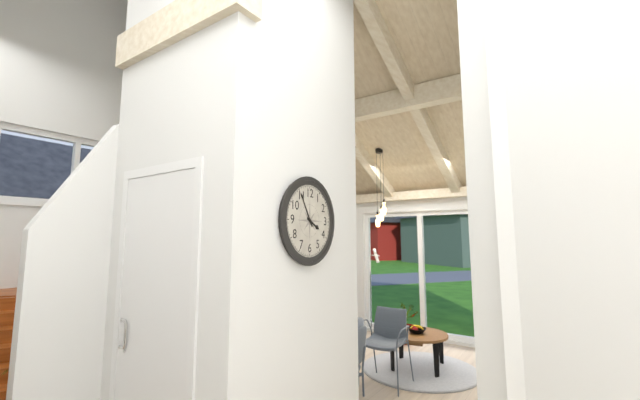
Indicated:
3.55
